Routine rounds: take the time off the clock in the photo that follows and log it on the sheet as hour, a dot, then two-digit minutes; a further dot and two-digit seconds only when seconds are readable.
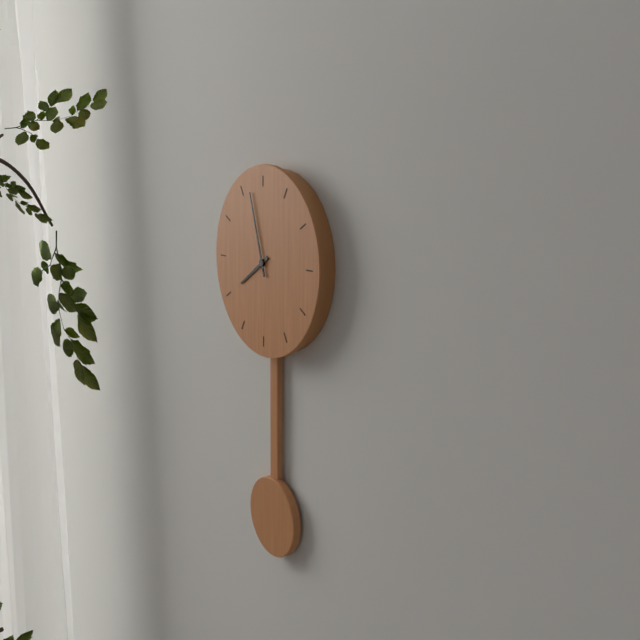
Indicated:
7.57
